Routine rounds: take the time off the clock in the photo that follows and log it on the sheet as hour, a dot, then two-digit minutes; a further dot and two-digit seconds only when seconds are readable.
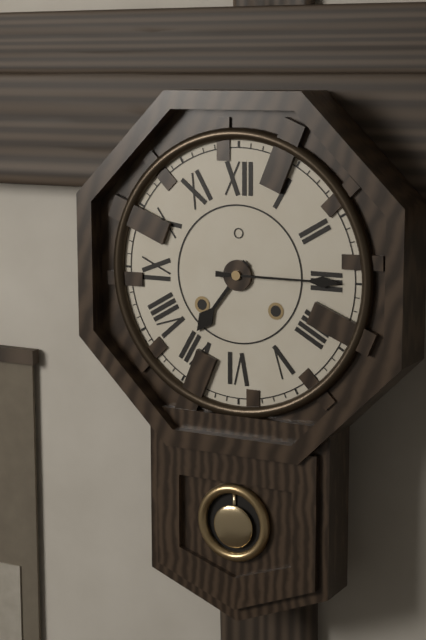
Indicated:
7.15
